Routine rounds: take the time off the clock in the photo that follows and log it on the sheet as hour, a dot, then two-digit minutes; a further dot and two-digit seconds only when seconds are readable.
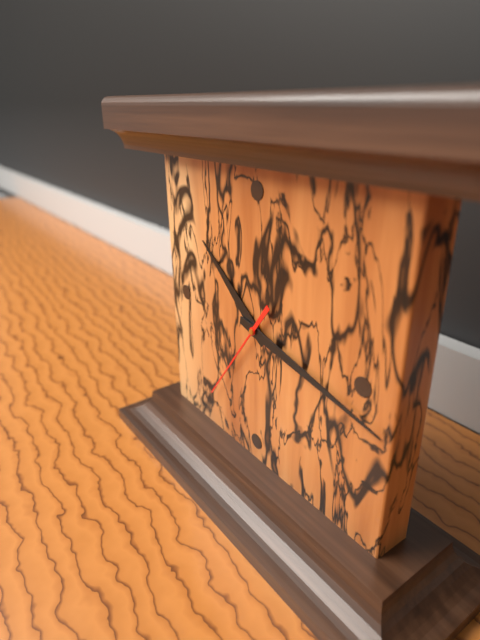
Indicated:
10.17.36
